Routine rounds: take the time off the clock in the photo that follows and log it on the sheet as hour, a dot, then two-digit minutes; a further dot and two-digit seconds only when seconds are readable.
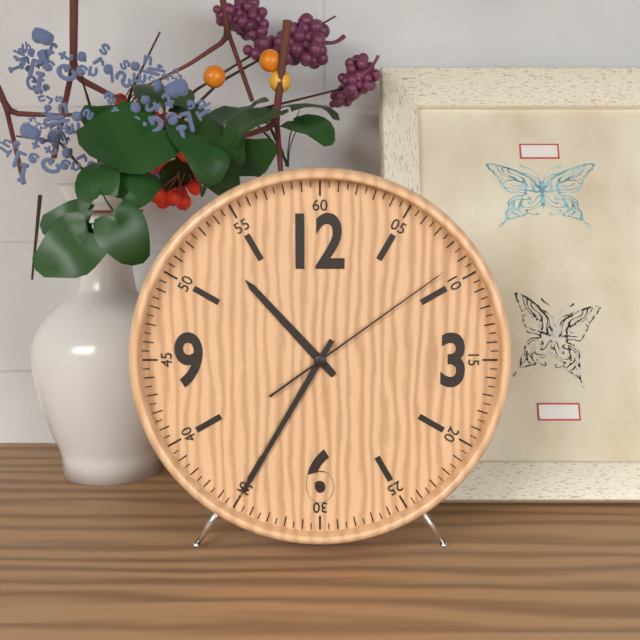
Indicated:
10.35.09
